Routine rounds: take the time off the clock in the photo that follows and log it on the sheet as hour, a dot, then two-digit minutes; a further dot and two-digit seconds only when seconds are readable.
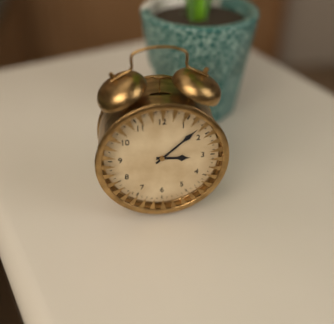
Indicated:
3.08
